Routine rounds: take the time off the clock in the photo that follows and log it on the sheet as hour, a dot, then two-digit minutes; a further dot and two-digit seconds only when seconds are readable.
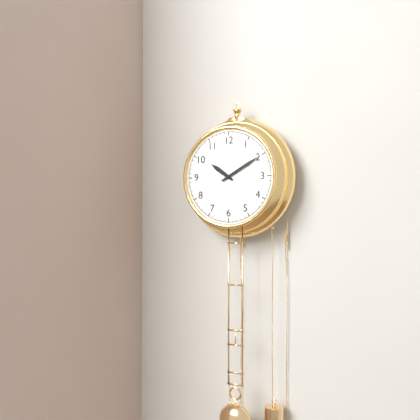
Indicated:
10.10
